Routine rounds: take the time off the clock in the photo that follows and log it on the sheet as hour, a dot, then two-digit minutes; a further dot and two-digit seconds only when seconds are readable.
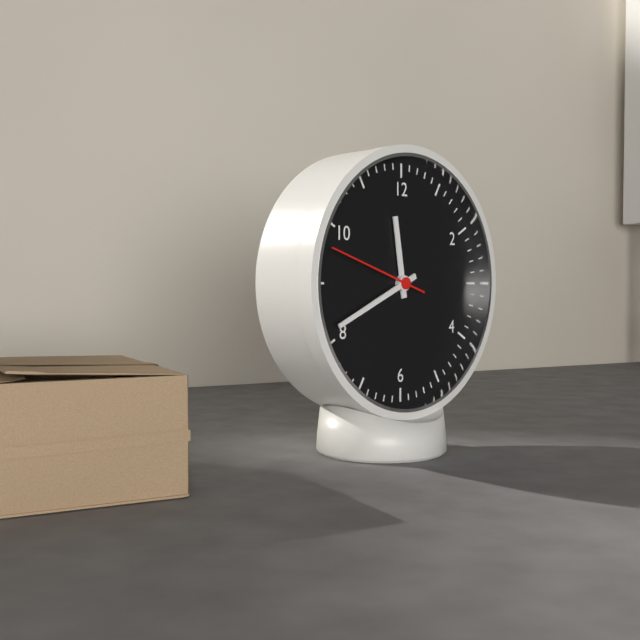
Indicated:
11.41.48
